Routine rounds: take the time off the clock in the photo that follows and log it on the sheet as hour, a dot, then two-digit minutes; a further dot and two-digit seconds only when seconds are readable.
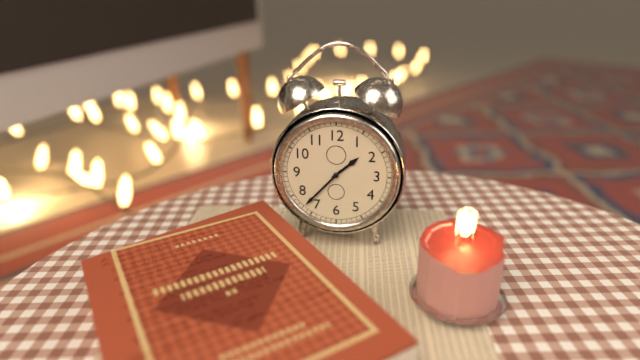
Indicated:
1.37
